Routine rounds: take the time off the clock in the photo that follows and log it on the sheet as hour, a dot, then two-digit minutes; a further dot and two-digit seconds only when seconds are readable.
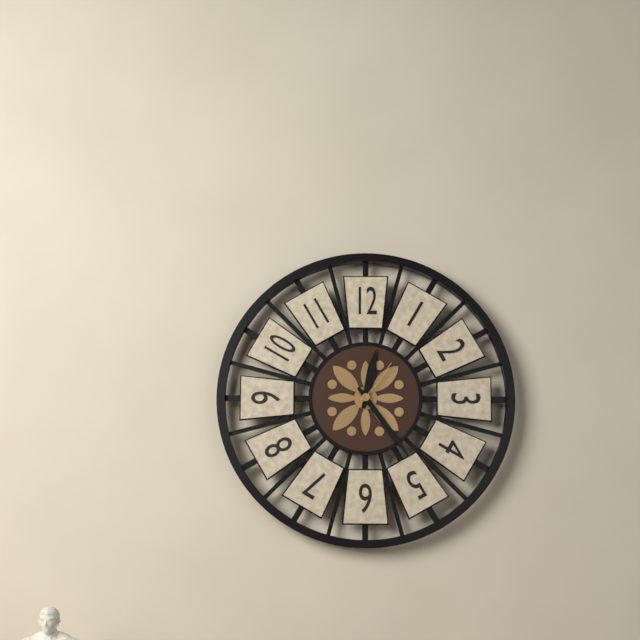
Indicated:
12.24.06
